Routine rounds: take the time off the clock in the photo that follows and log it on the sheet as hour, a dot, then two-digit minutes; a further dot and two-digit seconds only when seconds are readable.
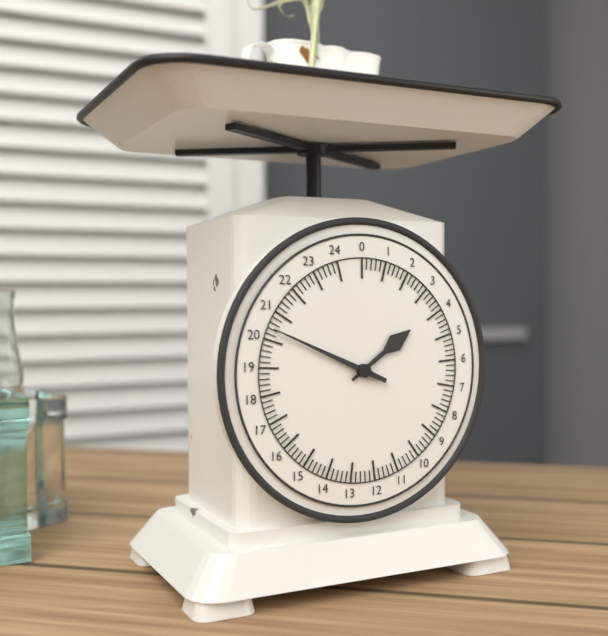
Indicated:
1.49
